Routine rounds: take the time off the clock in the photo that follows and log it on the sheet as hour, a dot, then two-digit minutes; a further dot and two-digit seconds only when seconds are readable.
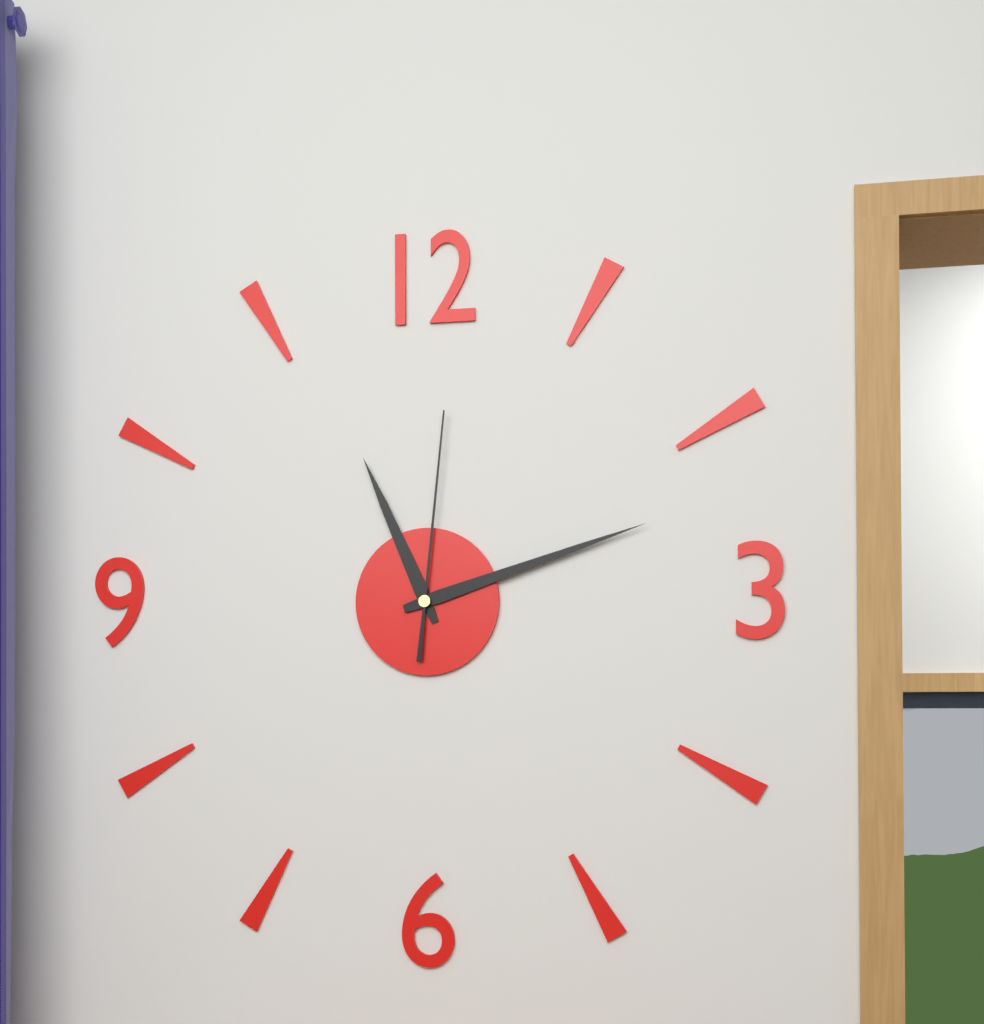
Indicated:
11.12.01
